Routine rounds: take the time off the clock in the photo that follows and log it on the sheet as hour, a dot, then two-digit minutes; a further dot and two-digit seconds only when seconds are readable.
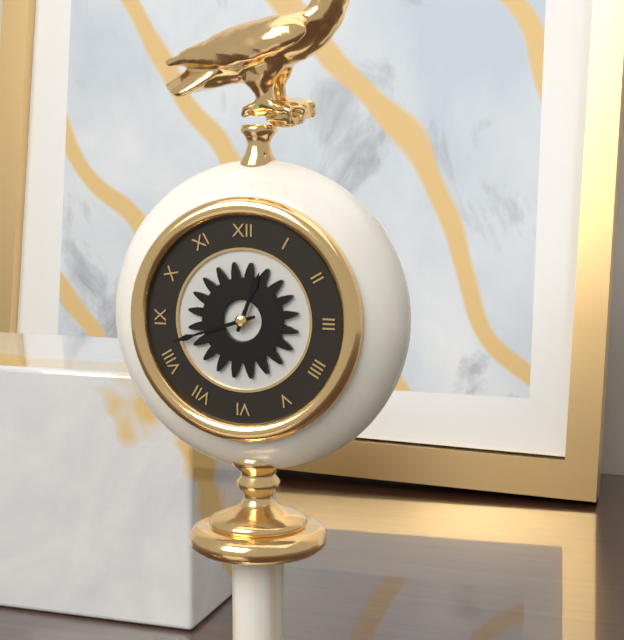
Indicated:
12.42
